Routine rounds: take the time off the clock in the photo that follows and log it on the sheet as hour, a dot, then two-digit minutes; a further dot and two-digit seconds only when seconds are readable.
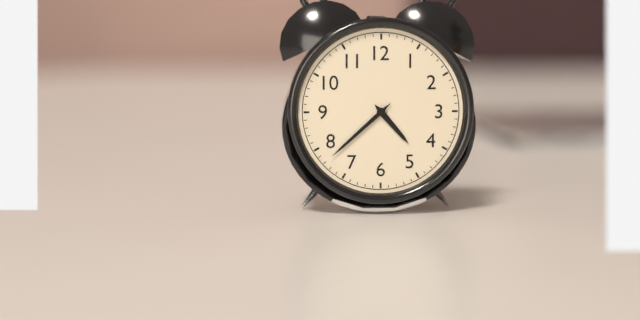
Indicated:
4.38
